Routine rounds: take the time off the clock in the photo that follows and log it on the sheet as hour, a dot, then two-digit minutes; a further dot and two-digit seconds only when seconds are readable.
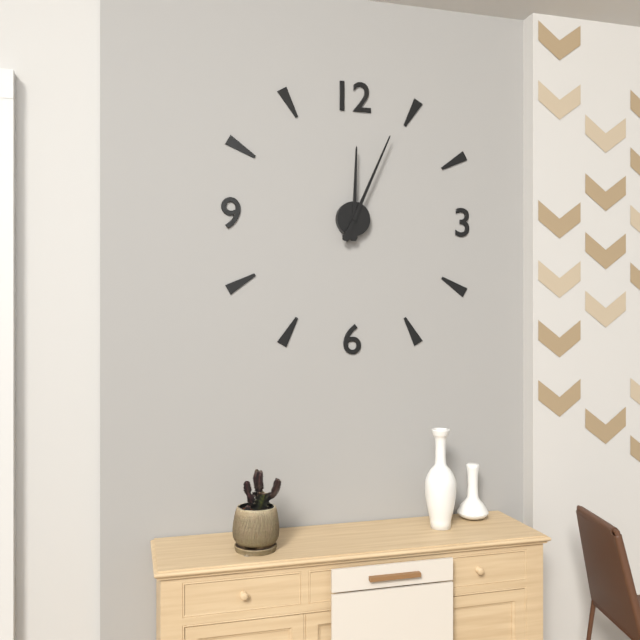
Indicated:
12.04
